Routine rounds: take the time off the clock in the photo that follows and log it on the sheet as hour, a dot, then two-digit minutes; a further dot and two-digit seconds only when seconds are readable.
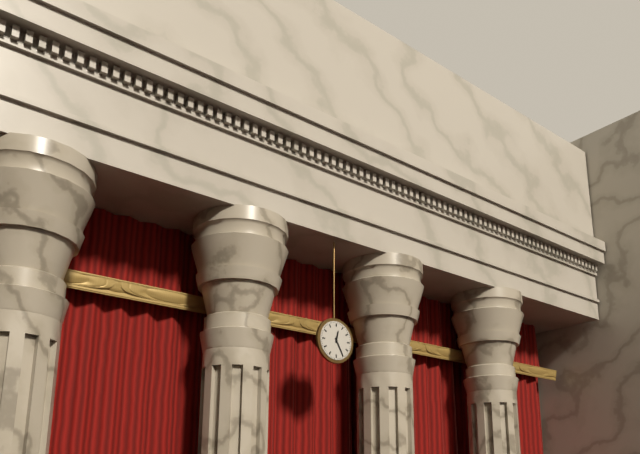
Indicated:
12.25
